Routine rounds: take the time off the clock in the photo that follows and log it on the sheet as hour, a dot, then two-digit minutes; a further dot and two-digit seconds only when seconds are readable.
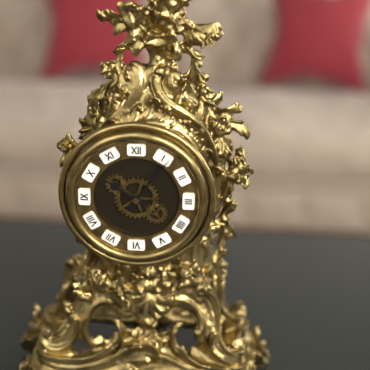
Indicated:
10.06
